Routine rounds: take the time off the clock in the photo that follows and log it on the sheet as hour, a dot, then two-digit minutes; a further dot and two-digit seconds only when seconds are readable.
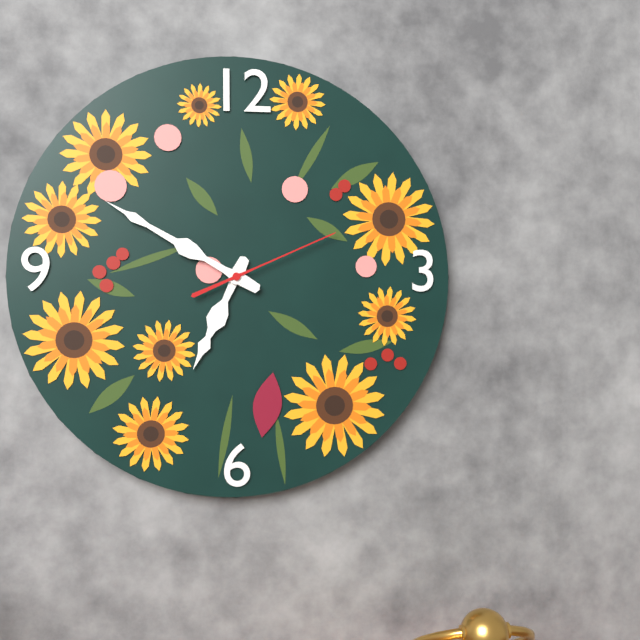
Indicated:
6.50.11
